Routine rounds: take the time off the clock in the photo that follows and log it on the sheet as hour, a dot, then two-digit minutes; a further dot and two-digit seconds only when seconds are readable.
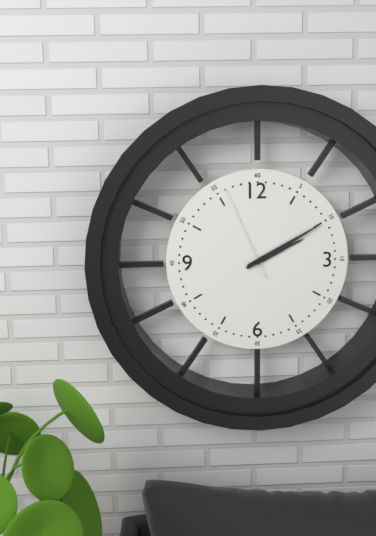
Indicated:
2.10.56
